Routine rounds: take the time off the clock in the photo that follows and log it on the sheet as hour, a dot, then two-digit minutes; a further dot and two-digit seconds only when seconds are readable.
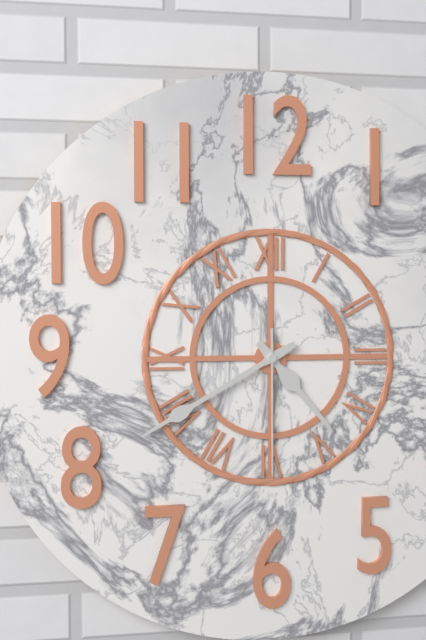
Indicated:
4.40.30
